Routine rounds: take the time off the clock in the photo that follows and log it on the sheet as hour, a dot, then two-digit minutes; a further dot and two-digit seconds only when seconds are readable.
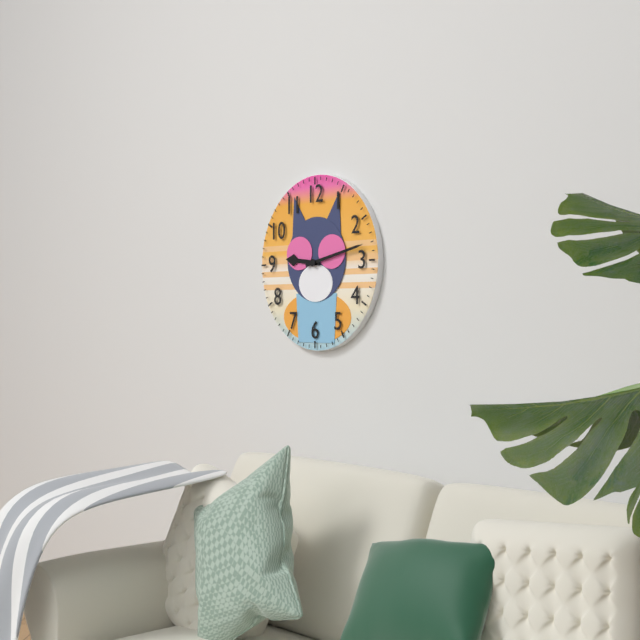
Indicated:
9.13
